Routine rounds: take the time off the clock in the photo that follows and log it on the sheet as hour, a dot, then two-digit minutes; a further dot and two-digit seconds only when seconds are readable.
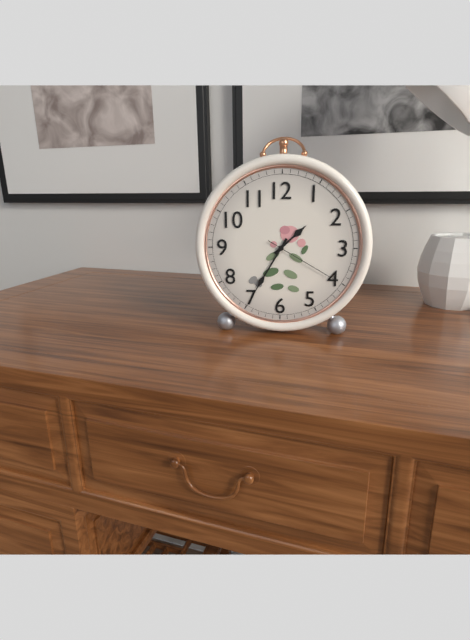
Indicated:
1.35.20
